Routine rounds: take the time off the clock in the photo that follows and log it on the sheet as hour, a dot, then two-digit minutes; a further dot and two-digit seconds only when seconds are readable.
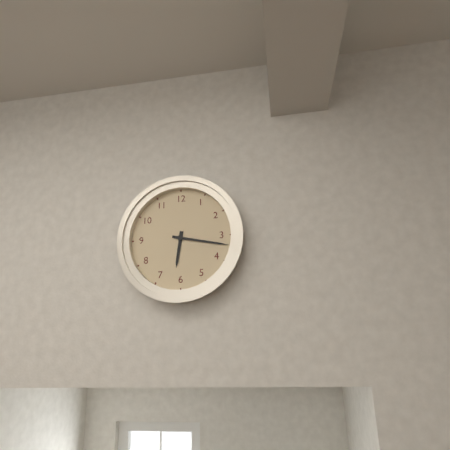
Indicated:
6.17
